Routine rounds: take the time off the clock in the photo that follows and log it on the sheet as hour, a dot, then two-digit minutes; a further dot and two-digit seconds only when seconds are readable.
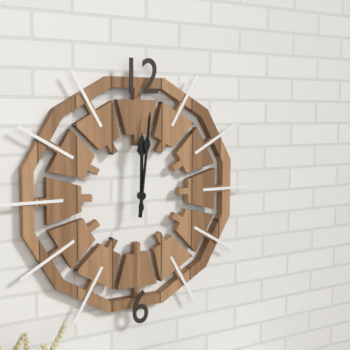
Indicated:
12.01
